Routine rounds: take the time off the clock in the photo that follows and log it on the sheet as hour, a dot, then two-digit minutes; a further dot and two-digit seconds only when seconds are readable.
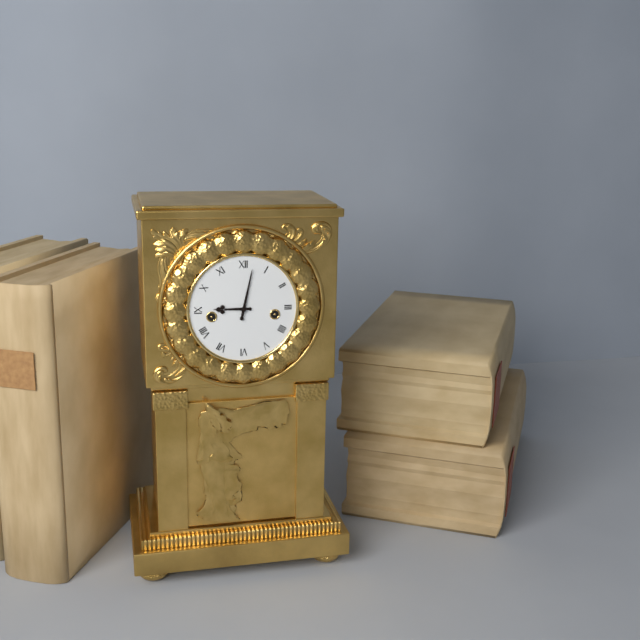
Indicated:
9.02
